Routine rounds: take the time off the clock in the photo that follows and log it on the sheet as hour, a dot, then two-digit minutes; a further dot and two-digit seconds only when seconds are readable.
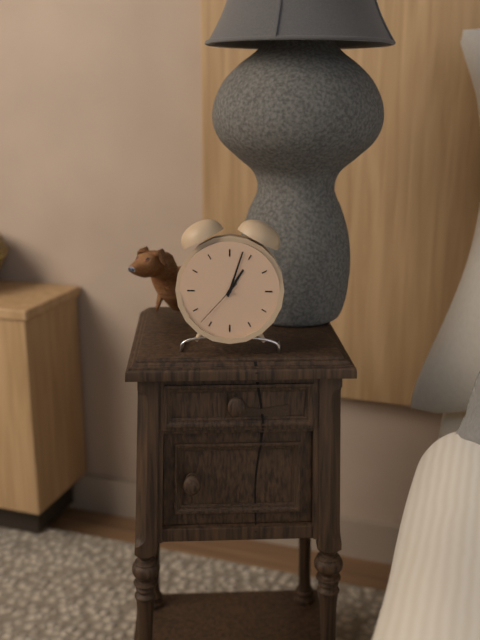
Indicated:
1.03.37
